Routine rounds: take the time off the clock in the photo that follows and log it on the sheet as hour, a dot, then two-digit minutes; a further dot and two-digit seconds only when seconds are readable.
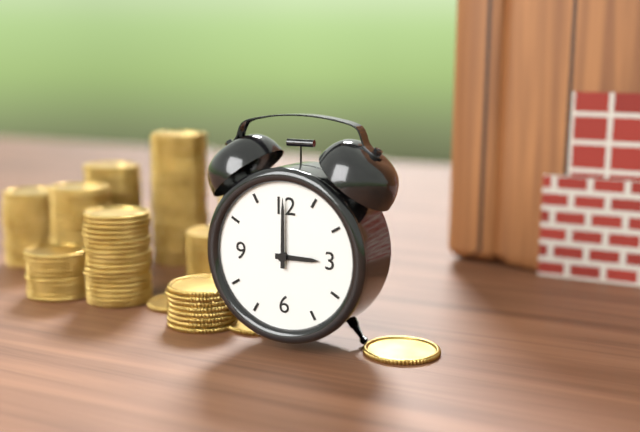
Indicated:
3.00
